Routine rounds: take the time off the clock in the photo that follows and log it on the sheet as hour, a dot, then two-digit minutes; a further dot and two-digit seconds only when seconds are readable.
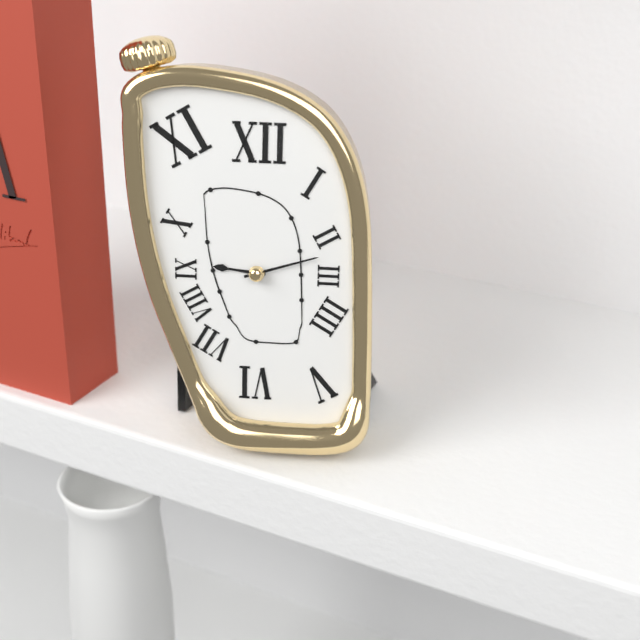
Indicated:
9.12
